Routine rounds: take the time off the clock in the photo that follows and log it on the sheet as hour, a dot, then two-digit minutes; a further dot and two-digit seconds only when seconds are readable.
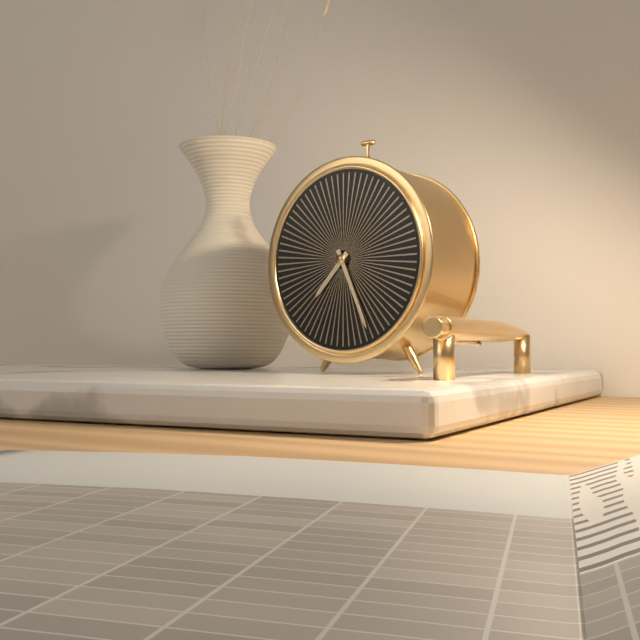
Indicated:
7.26
